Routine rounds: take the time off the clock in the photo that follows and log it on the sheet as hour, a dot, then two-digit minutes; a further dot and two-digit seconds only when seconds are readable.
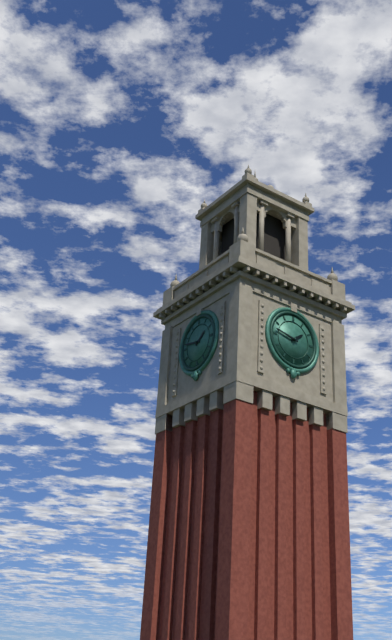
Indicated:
1.47
